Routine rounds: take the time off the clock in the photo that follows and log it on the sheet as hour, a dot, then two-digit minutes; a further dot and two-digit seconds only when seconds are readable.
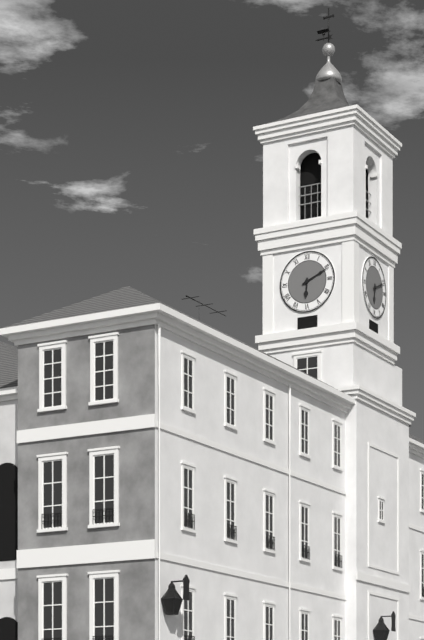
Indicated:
6.11
